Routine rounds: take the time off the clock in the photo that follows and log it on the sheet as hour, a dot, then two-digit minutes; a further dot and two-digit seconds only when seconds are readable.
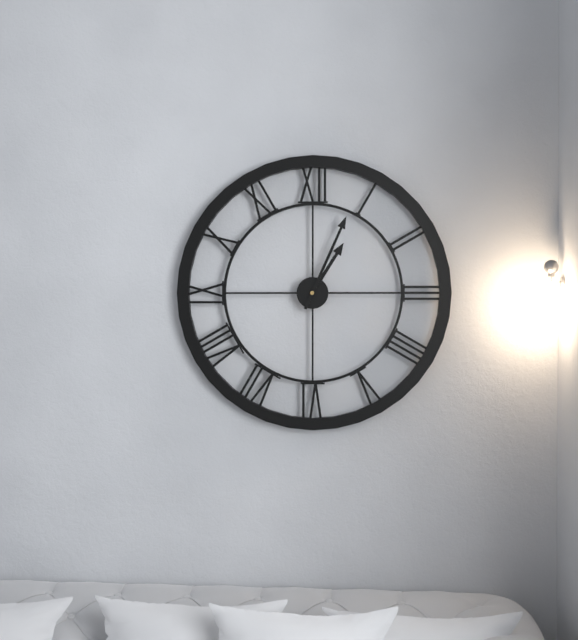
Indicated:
1.04
